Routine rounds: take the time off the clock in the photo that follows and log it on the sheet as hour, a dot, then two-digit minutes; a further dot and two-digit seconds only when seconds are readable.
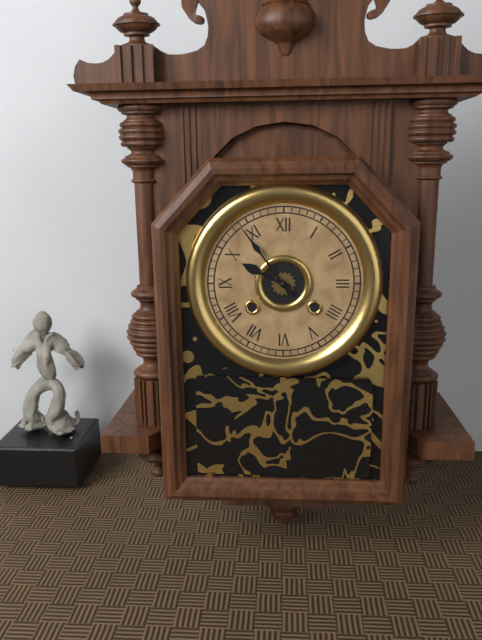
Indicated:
9.54
